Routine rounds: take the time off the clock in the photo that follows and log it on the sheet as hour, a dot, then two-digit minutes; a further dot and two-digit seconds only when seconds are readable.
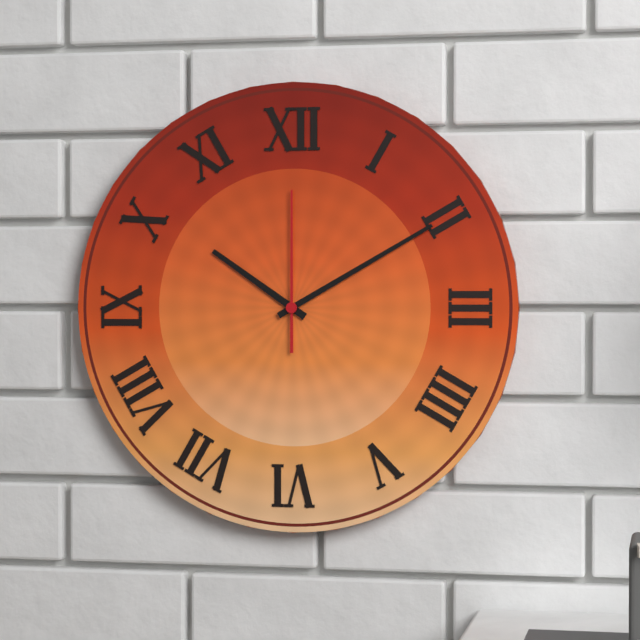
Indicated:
10.10.00
